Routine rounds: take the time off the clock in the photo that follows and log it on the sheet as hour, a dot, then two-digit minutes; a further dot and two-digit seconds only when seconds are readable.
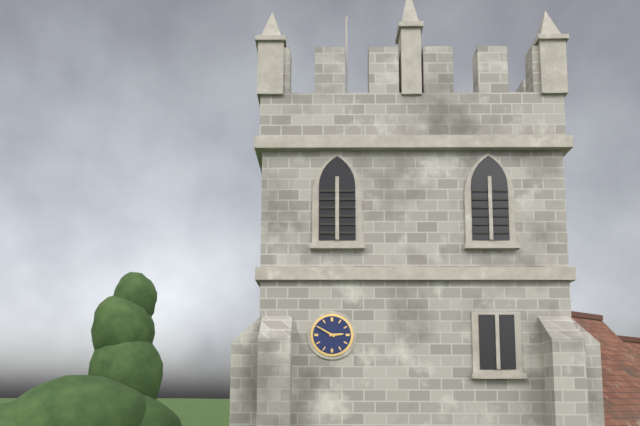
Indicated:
2.50
